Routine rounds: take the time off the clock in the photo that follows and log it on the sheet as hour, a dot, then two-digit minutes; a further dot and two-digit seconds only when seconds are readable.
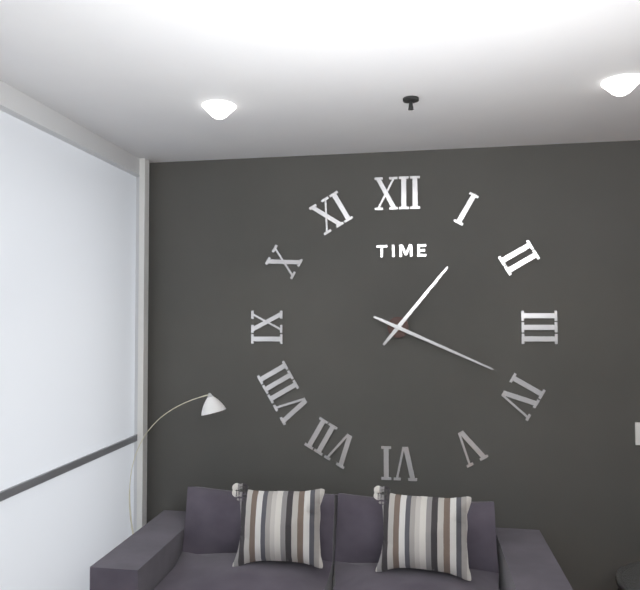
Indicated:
1.19
